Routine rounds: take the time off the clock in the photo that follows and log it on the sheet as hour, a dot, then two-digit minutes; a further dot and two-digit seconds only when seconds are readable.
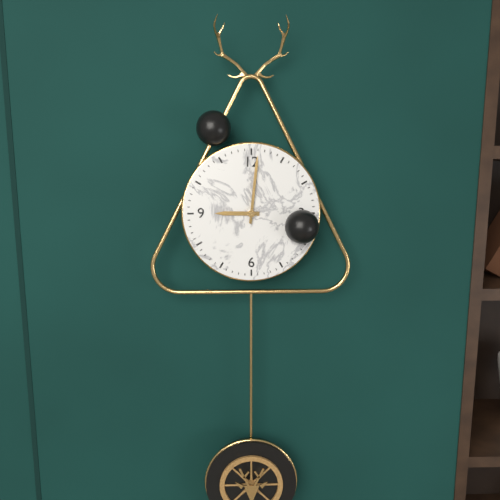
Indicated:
9.01
